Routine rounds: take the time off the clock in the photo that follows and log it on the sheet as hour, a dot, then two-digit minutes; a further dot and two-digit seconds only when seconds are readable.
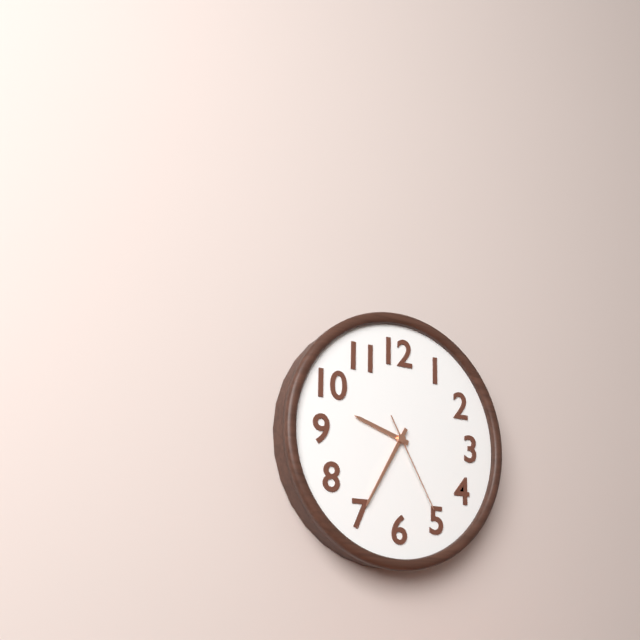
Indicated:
9.35.25
